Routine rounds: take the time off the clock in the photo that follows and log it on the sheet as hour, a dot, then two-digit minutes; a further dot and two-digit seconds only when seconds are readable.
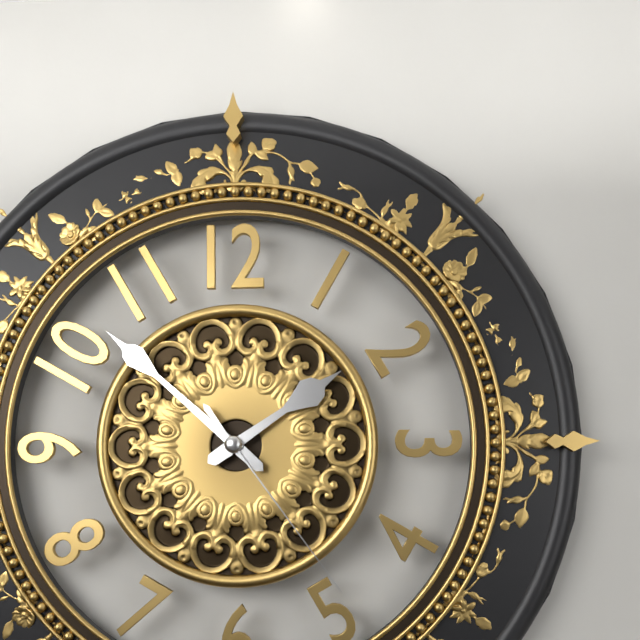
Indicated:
1.52.24
